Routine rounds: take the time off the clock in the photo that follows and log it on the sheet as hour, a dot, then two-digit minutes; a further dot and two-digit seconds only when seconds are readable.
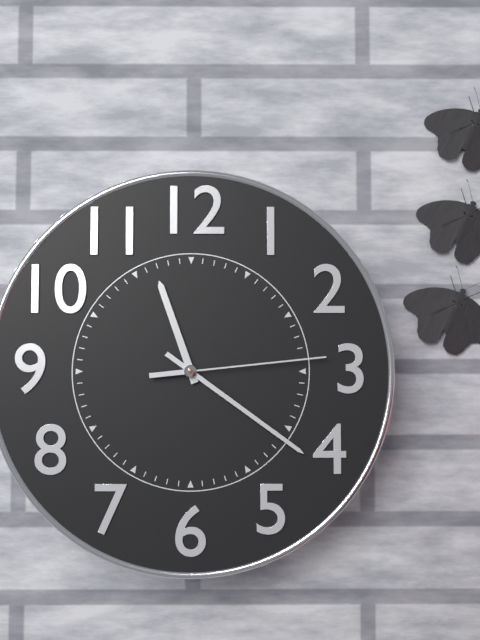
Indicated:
11.21.14
